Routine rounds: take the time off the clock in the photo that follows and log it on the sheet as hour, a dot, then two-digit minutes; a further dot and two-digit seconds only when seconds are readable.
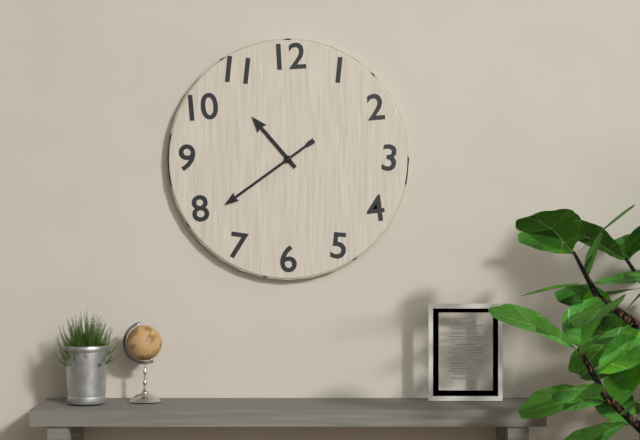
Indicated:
10.39
